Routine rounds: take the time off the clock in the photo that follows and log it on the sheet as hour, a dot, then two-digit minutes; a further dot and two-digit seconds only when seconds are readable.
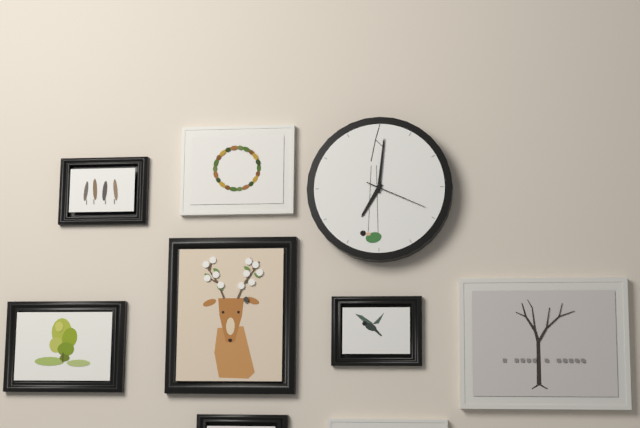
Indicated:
7.01.19
